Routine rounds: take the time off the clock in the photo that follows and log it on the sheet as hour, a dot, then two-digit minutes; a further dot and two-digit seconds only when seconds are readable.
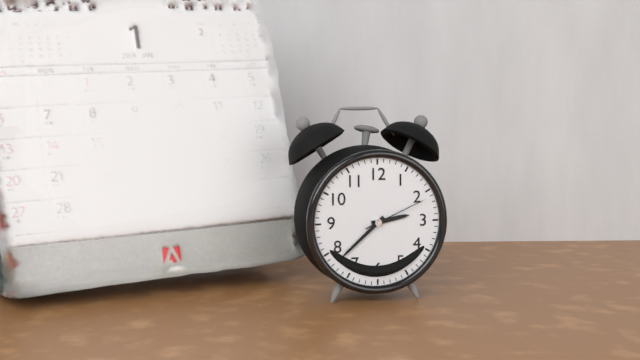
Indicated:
2.38.11
